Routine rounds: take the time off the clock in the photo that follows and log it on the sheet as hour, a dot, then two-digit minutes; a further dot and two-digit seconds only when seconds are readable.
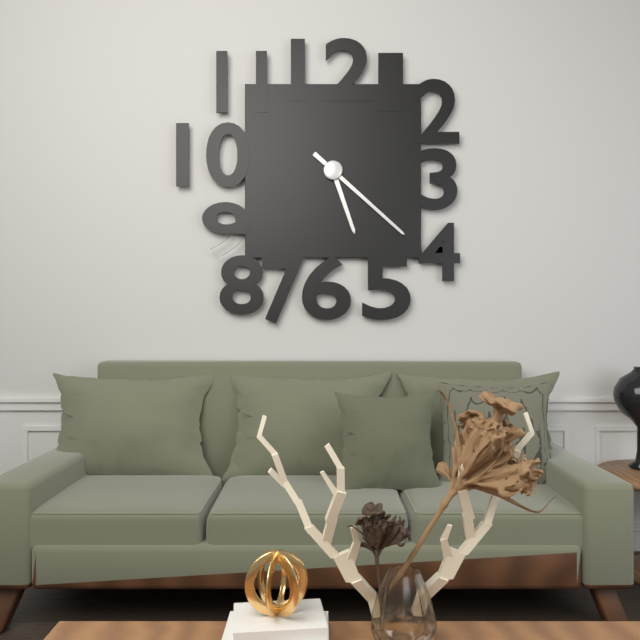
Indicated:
5.22
